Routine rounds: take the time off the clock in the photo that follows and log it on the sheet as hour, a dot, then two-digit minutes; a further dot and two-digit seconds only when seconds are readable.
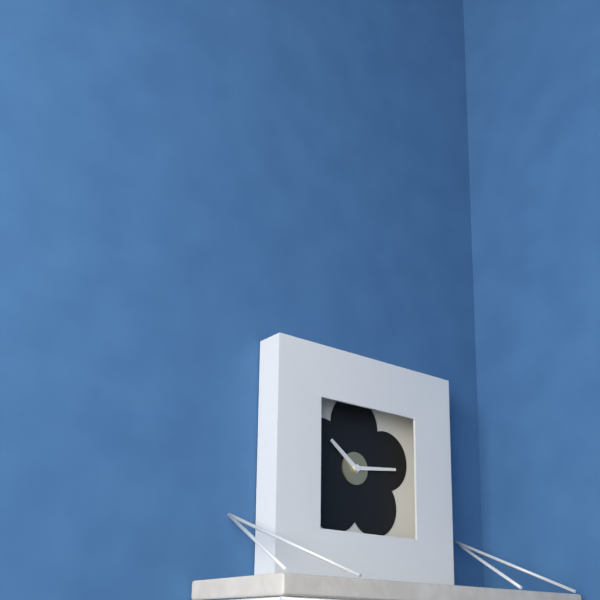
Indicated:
10.14
